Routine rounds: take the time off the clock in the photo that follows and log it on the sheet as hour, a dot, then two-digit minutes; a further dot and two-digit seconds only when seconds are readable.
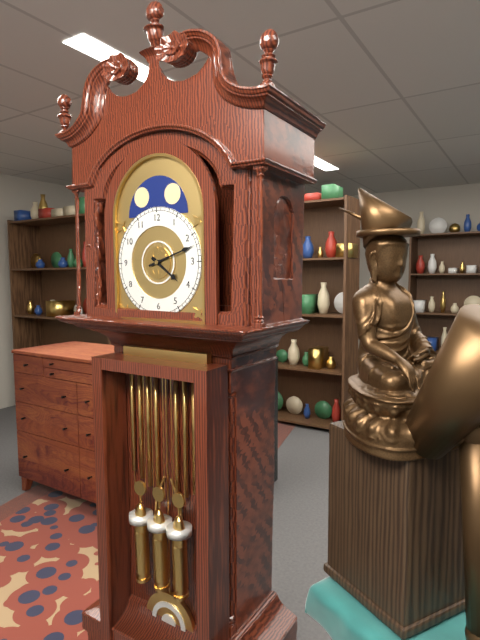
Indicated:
4.12
